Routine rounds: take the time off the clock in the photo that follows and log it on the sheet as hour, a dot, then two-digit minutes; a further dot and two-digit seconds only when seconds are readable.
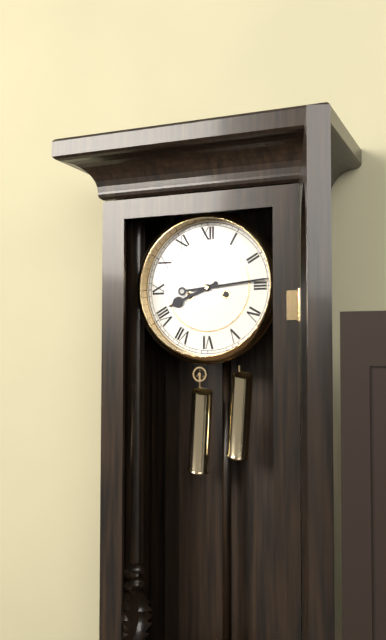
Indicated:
8.14
